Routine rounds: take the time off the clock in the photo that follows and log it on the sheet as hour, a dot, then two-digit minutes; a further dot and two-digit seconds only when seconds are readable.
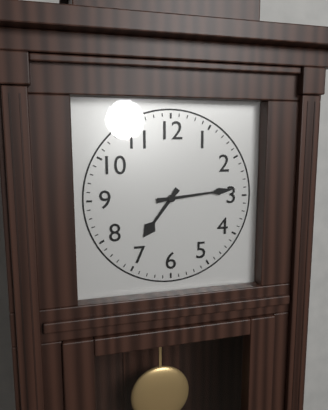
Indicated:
7.14
